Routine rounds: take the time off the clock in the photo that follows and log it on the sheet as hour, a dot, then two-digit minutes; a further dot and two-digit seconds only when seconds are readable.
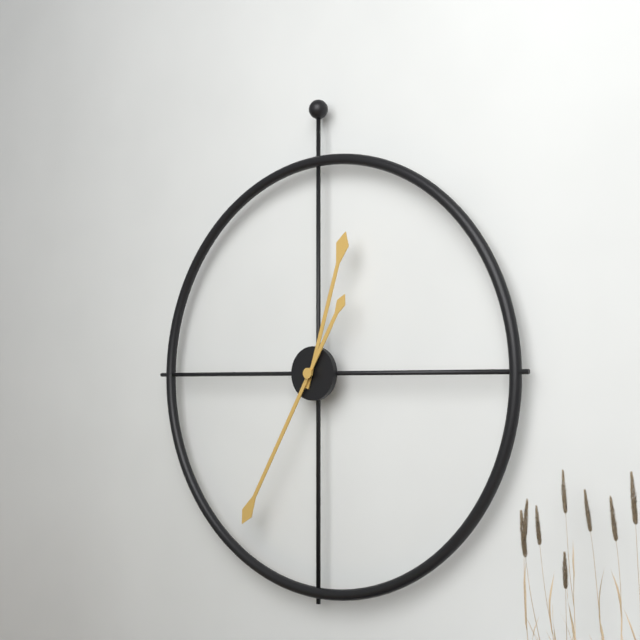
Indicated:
12.35
